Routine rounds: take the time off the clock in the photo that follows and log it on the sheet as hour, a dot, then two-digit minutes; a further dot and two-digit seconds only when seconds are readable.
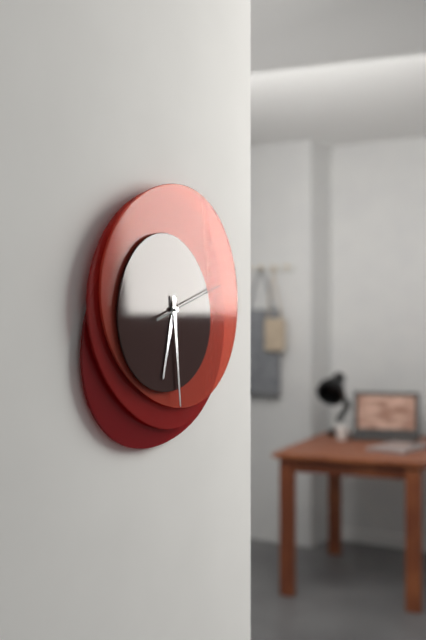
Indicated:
6.29.12
